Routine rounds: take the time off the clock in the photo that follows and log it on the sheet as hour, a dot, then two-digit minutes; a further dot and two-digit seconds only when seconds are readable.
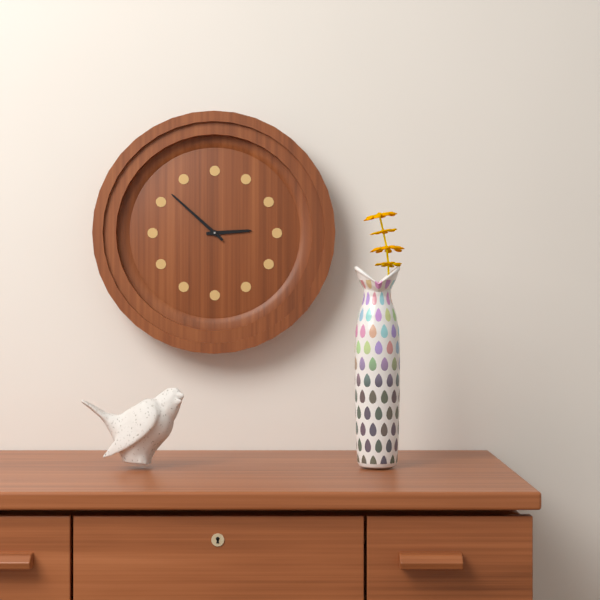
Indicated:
2.52
